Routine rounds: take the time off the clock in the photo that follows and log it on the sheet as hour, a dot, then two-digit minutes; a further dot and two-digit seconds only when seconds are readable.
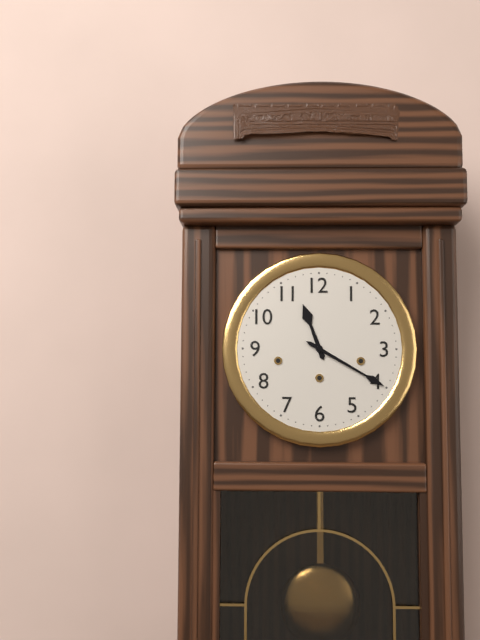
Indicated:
11.20
